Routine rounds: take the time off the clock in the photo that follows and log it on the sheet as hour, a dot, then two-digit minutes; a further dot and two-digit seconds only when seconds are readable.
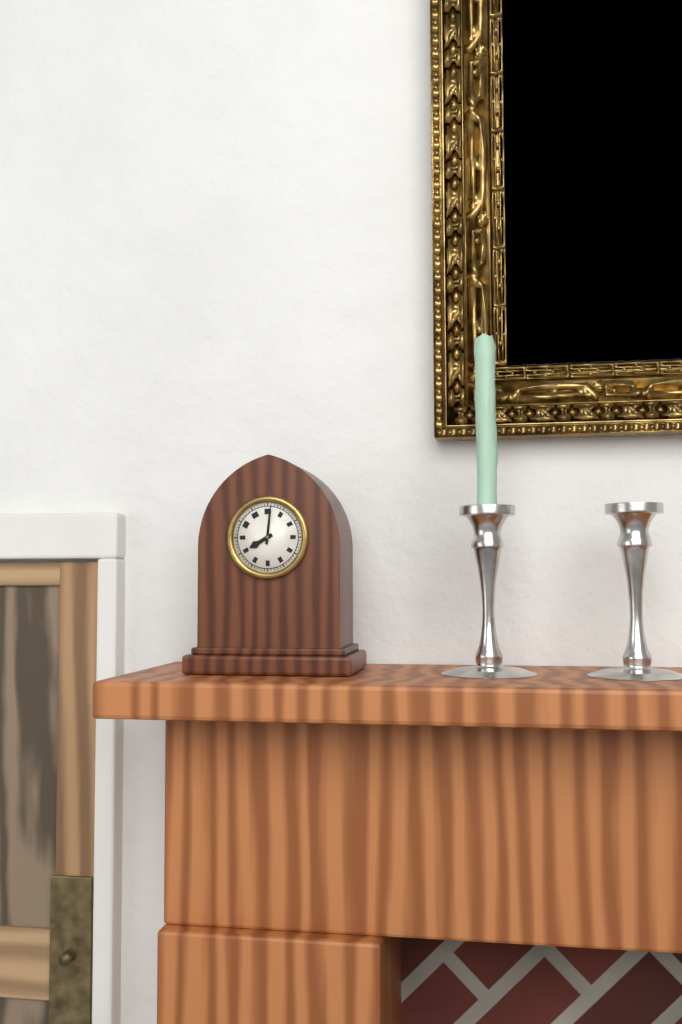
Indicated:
8.01
